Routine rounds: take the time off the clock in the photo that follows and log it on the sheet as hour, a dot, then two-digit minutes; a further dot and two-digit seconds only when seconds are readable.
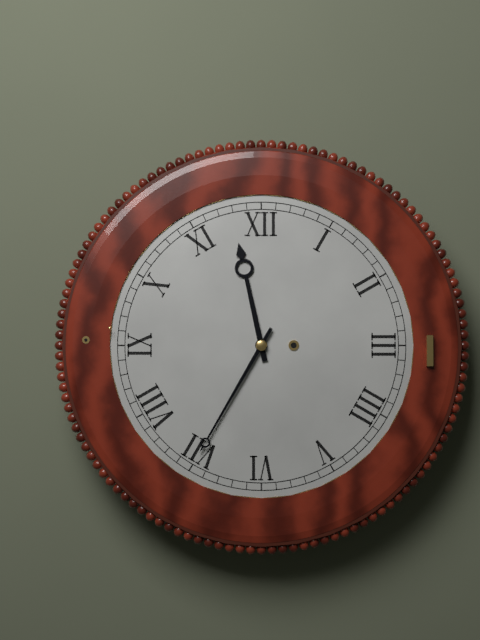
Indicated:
11.35
